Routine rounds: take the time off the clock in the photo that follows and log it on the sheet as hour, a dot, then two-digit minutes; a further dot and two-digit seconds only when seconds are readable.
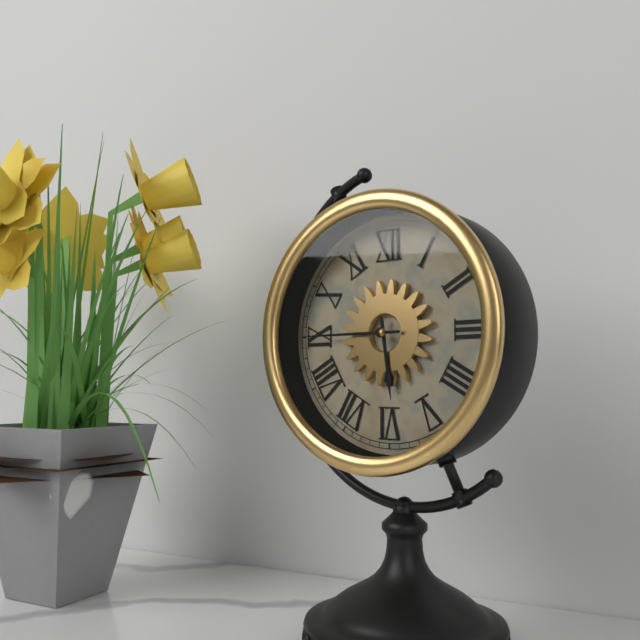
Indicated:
5.45
